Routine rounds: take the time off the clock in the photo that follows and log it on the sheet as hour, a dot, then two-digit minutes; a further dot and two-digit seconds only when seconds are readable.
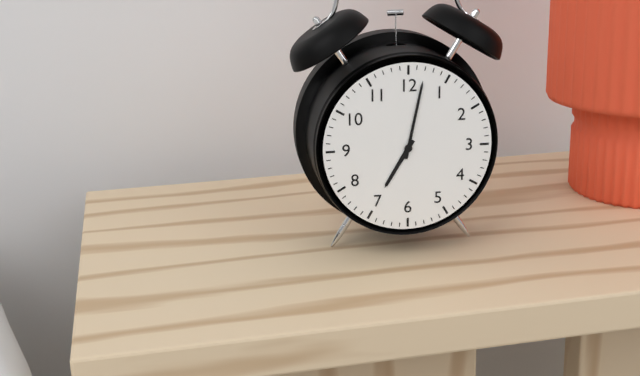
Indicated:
7.02
